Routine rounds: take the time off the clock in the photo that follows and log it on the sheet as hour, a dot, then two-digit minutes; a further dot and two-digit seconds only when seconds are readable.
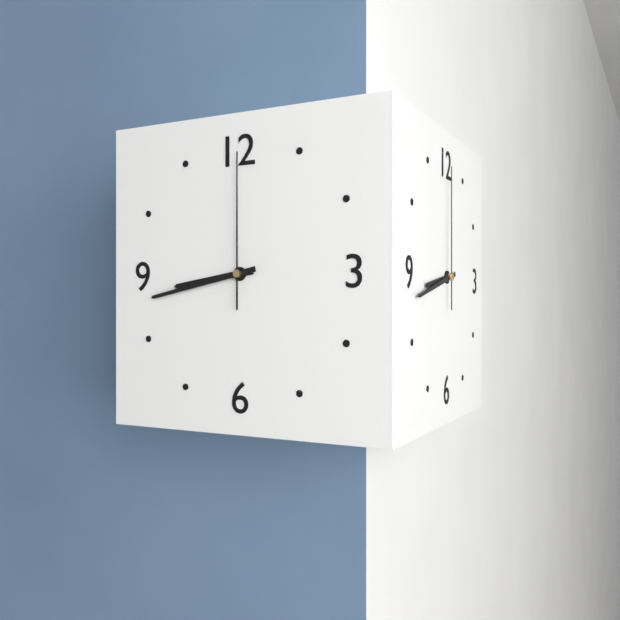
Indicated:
8.43.00
